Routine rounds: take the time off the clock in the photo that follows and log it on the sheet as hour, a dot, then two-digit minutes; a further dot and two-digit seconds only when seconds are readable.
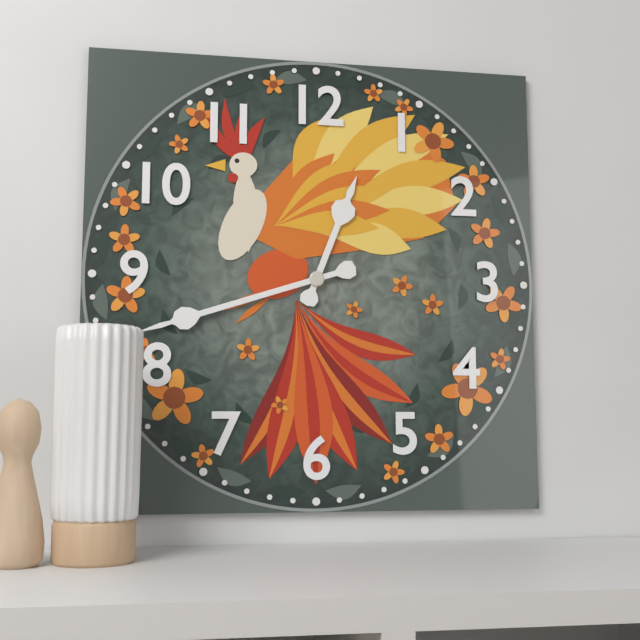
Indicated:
12.42
